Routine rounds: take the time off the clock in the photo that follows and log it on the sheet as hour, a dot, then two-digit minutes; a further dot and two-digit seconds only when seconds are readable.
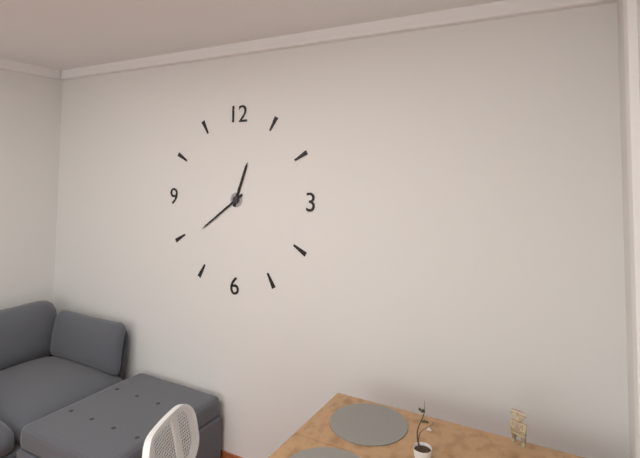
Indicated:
12.39
